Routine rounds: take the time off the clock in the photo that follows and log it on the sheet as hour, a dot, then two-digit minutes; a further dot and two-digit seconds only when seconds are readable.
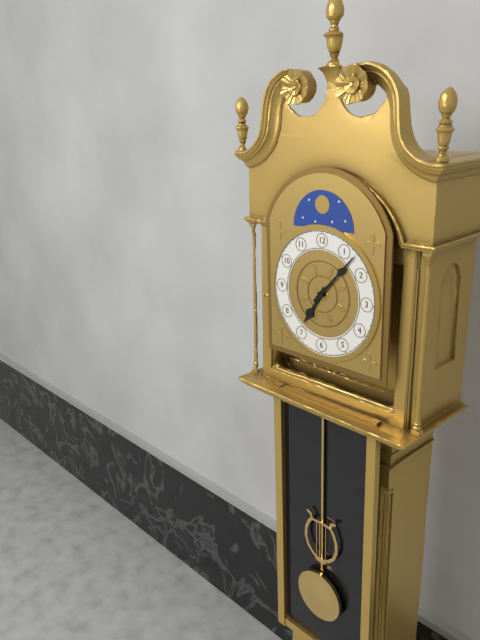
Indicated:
7.07
